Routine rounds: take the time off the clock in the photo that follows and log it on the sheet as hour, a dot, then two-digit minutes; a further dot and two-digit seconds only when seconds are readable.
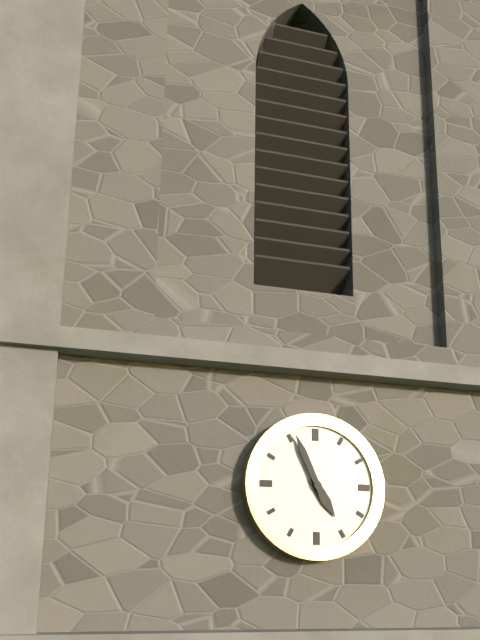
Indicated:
4.56
